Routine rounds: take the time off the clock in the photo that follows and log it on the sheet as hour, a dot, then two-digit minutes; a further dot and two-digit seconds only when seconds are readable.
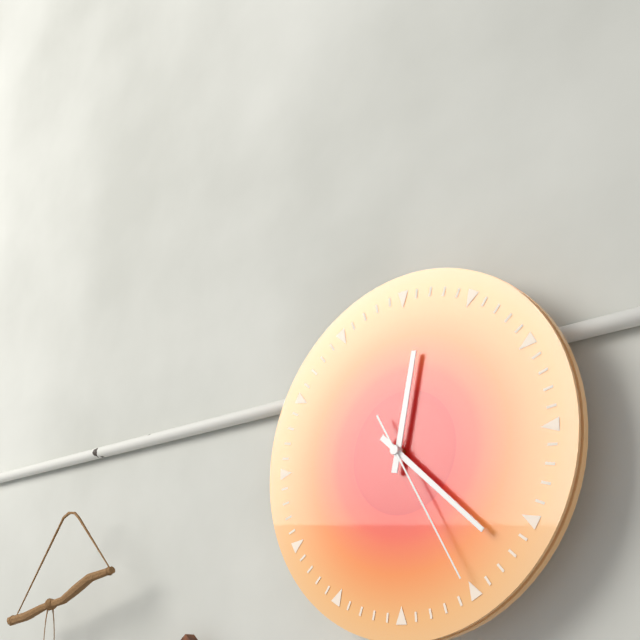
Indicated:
12.22.25
